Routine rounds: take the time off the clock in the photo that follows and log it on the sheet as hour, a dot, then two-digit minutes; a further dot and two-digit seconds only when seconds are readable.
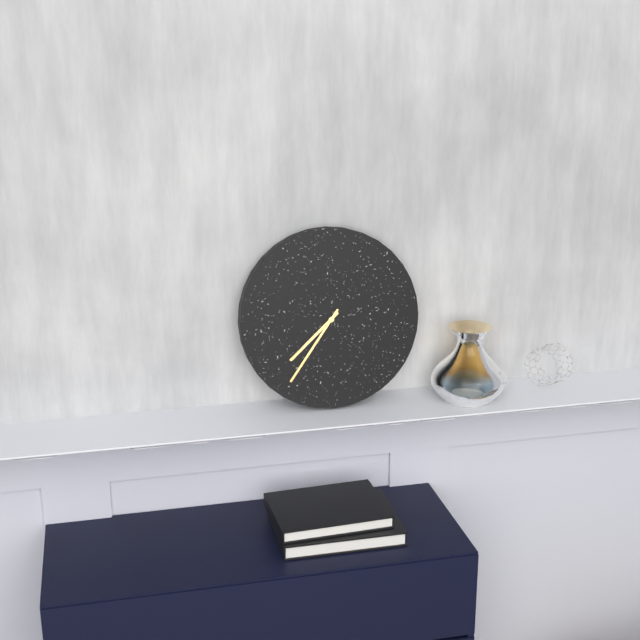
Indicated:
7.36
